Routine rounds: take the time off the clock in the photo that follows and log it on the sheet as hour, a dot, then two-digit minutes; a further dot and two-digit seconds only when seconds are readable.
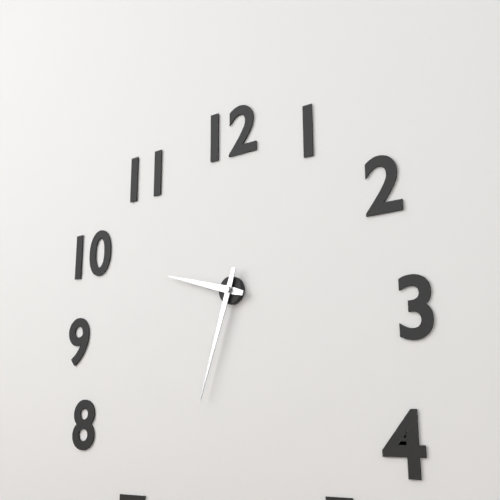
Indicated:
9.33
